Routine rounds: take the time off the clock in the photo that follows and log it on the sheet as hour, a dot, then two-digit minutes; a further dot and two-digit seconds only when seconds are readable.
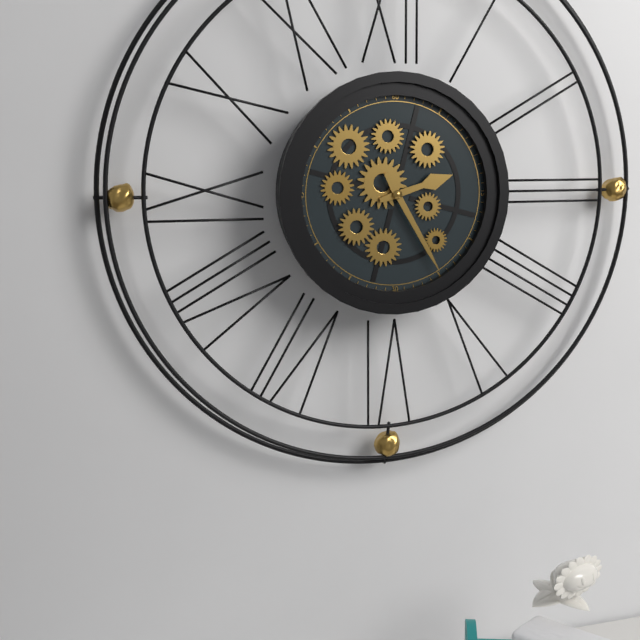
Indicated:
2.25
